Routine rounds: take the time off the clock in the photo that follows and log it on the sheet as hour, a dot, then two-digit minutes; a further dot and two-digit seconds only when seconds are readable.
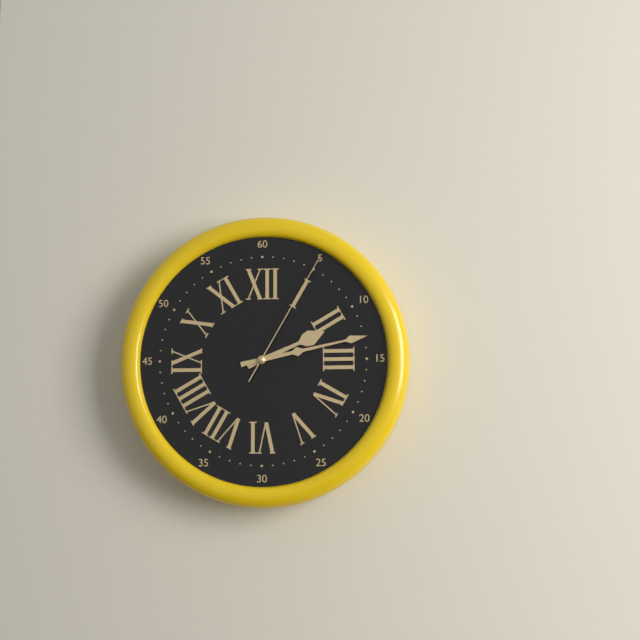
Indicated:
2.13.05
